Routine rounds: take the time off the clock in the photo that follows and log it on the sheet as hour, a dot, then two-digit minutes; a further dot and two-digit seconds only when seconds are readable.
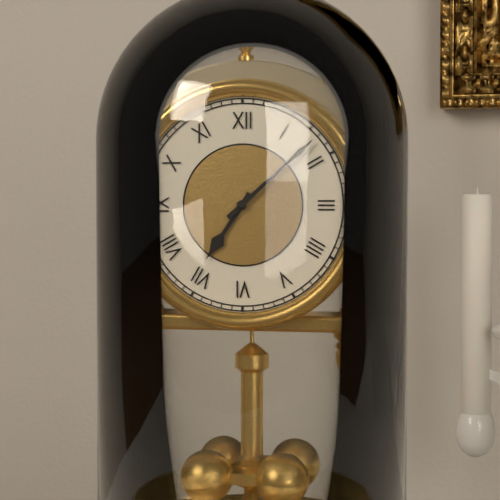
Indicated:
7.08
